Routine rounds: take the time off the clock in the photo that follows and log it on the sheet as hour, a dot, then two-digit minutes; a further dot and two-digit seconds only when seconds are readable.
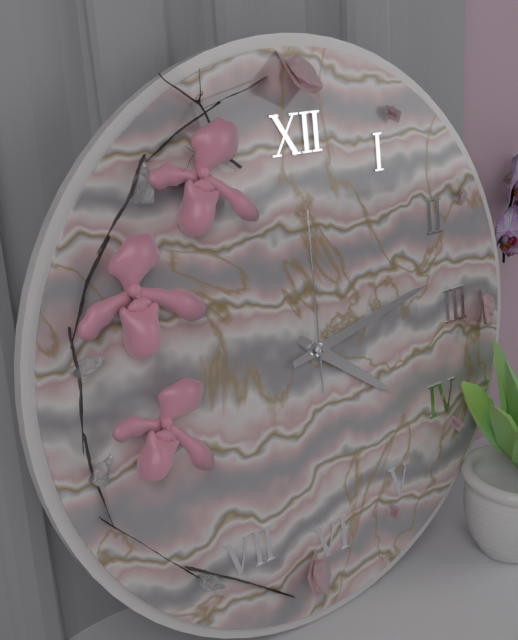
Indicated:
4.13.00
